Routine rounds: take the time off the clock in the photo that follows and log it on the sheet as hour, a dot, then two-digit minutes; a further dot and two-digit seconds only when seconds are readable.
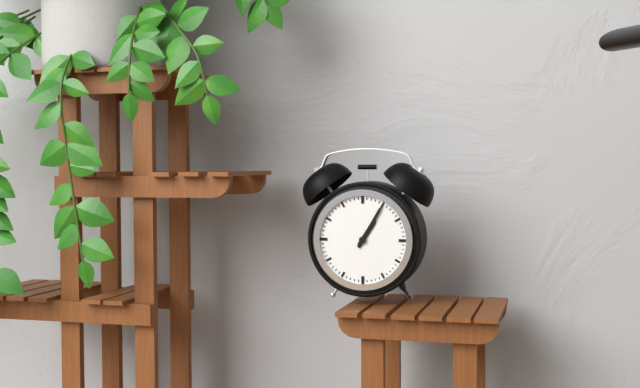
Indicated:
1.05
